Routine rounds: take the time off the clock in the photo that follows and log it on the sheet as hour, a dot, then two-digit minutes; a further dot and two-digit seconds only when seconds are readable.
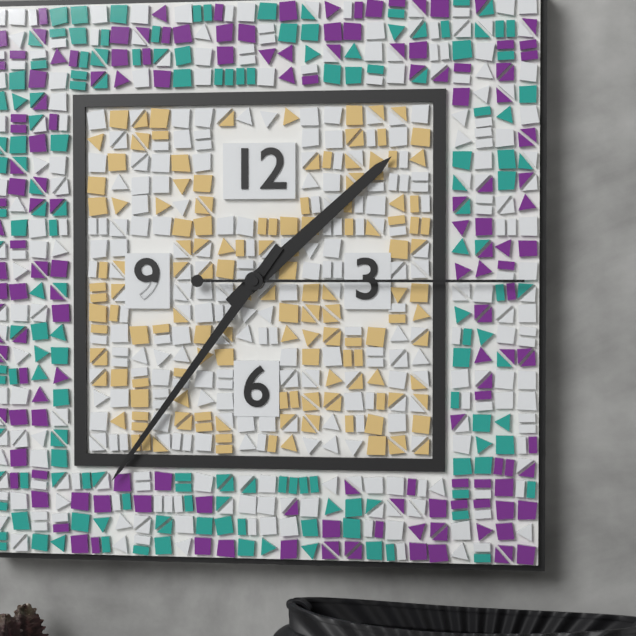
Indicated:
1.36.15
